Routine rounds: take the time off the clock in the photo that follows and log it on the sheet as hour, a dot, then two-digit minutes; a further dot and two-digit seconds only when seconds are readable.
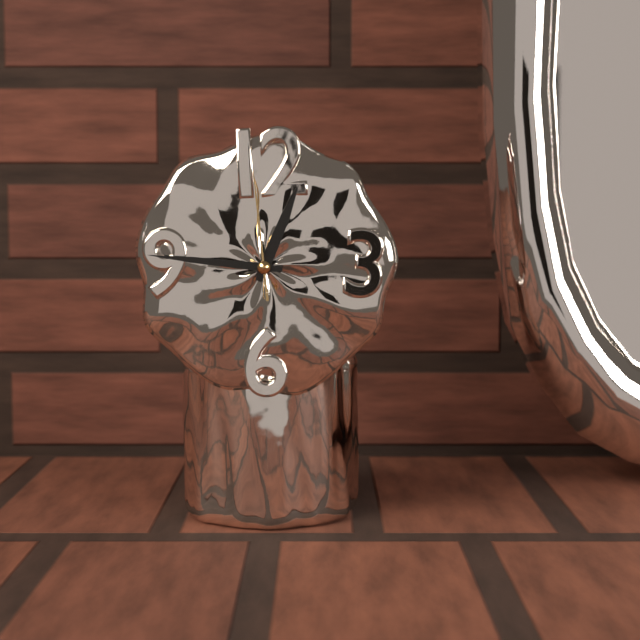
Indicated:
12.46.59
